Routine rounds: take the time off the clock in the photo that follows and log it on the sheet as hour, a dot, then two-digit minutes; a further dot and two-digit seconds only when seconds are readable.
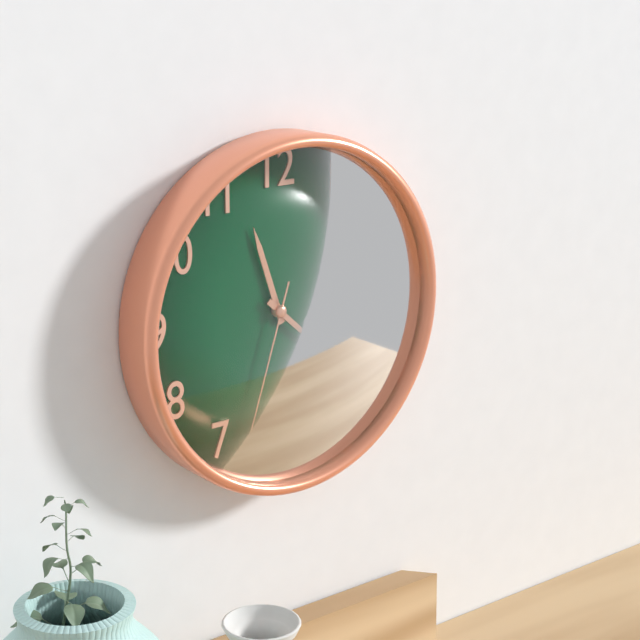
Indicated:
11.22.33
